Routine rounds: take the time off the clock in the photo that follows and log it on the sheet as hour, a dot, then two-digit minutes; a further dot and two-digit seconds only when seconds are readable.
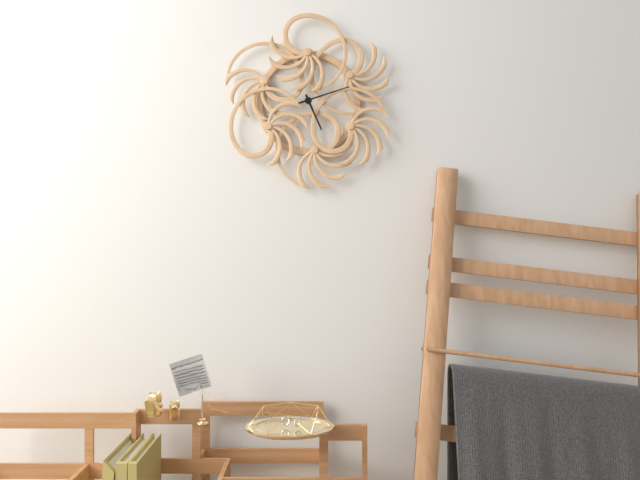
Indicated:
5.12
